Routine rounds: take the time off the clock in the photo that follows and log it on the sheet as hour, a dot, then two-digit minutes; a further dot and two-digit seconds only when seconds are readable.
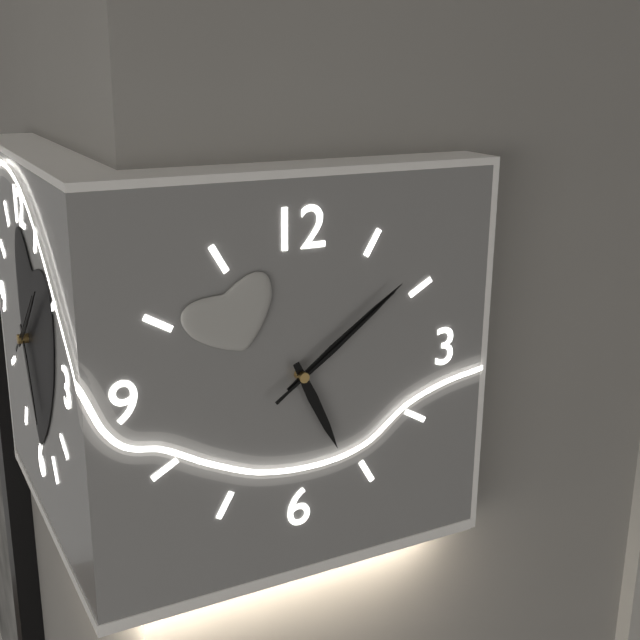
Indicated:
5.09.09
